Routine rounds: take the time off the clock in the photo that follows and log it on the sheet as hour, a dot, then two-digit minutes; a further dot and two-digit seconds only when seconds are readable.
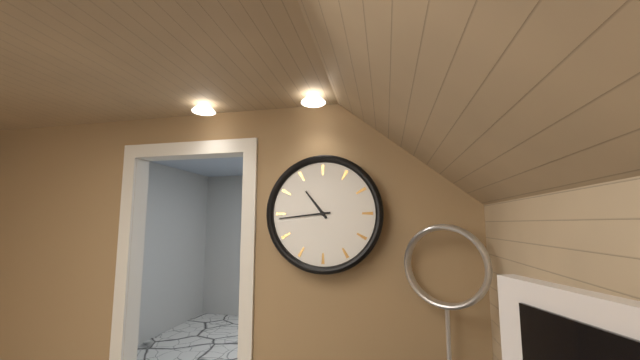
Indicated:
10.44
